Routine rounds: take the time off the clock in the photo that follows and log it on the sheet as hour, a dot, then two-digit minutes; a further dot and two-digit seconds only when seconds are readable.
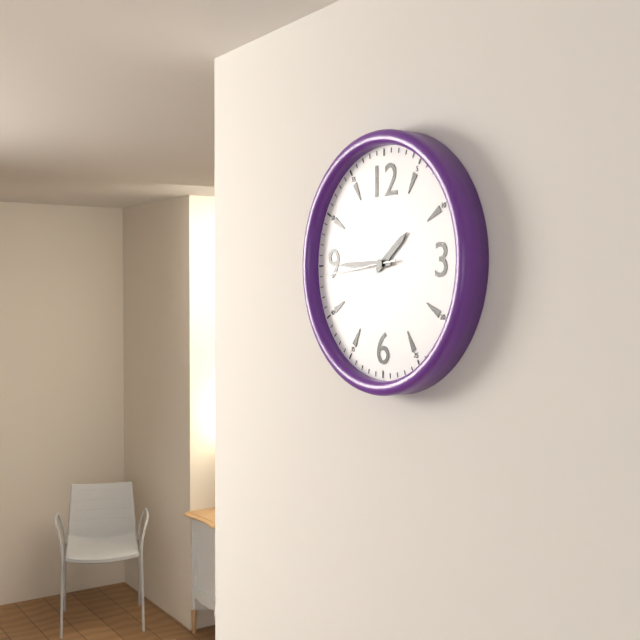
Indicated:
1.45.44
